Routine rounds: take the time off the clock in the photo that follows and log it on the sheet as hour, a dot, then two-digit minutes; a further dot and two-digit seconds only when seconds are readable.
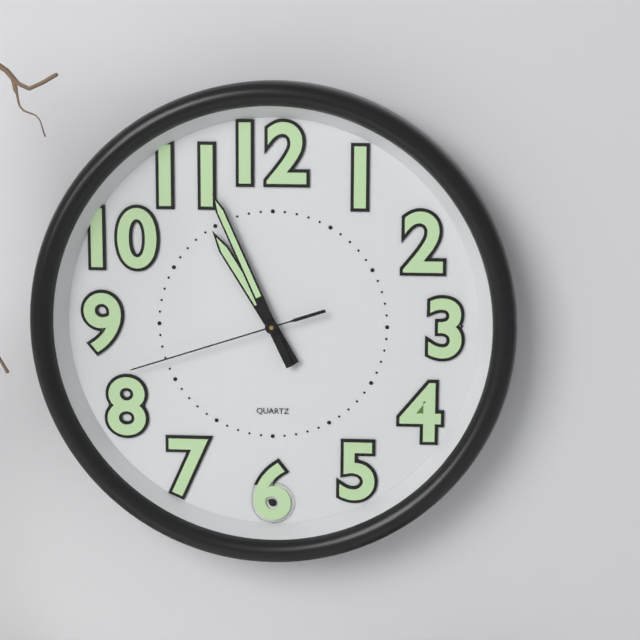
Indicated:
10.56.42
